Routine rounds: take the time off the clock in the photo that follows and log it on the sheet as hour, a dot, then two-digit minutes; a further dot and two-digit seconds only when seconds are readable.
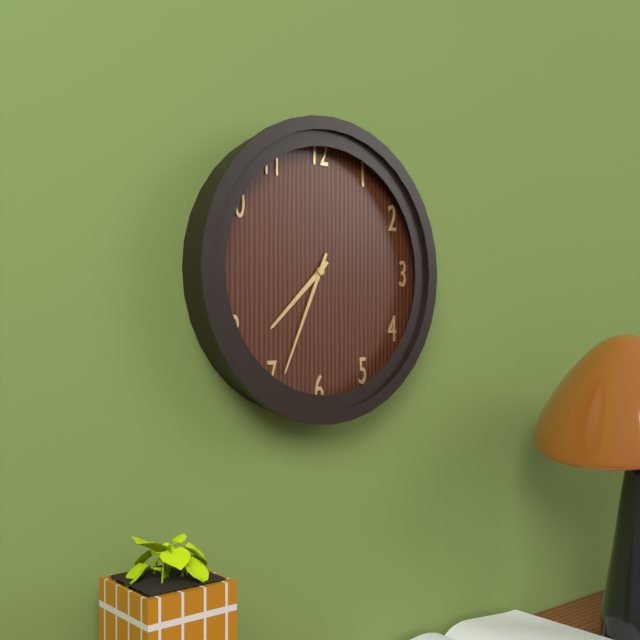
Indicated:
7.34
